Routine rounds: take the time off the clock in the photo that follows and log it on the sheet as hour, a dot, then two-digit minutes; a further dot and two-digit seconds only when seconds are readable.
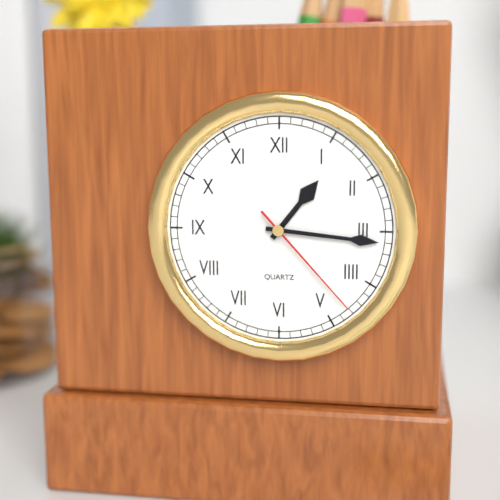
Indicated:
1.16.23
